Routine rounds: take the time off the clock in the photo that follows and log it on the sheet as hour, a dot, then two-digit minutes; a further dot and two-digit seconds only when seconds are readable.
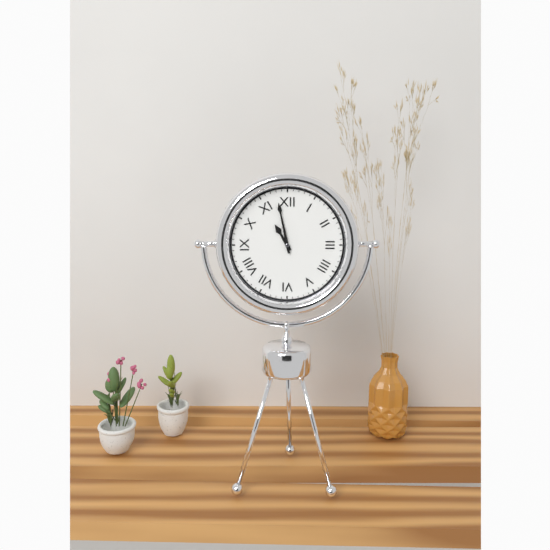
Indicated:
10.58
